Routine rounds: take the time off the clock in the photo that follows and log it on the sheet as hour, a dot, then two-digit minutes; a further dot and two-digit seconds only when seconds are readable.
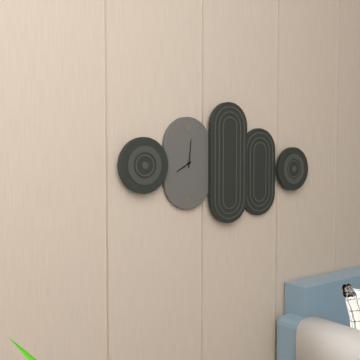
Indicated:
8.01
